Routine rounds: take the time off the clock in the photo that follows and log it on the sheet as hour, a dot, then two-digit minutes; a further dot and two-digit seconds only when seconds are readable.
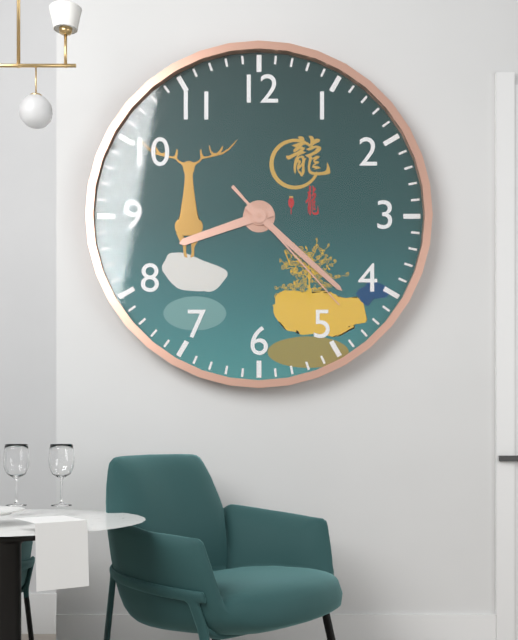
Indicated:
8.22.23
